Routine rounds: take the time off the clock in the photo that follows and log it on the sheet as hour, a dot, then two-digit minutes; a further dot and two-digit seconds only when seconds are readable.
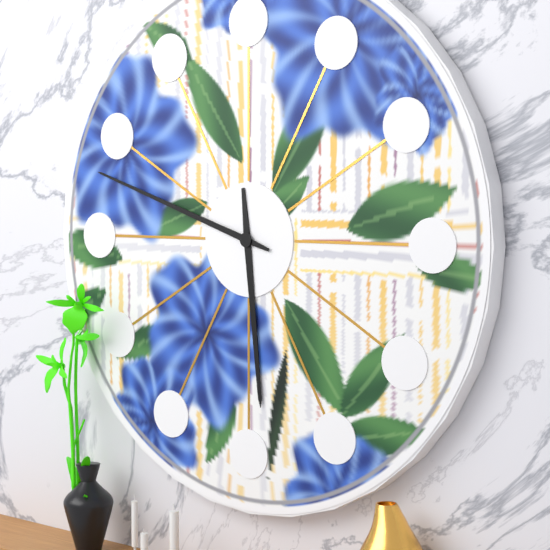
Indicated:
5.48
